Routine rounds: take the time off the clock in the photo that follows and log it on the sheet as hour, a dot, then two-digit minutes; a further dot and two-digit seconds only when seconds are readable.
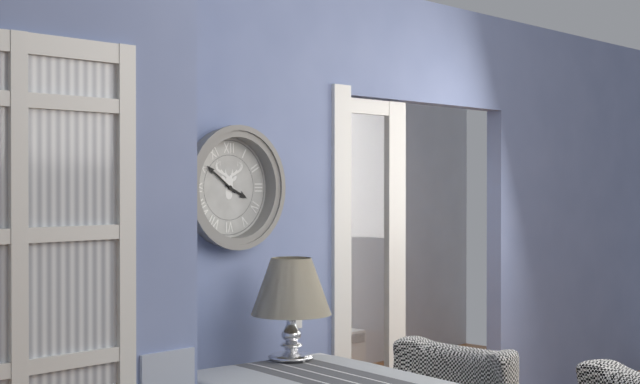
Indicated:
3.51
